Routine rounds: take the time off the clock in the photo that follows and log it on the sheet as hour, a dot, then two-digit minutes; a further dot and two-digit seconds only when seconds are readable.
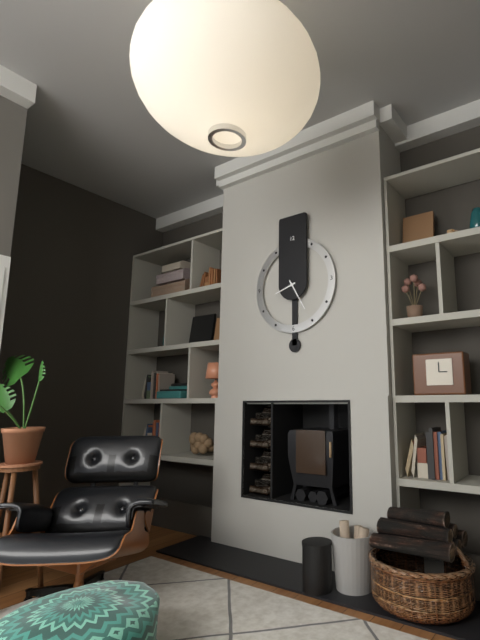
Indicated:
8.25
